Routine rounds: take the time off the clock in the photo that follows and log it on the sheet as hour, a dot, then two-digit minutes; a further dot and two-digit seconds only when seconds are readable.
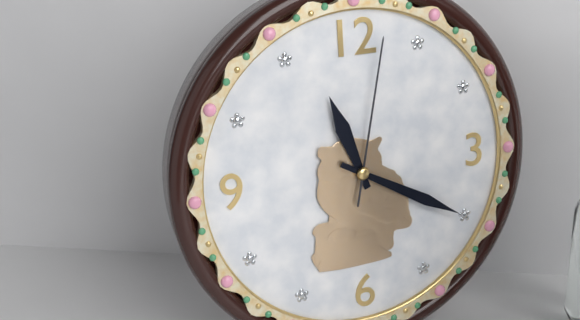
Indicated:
11.20.02
